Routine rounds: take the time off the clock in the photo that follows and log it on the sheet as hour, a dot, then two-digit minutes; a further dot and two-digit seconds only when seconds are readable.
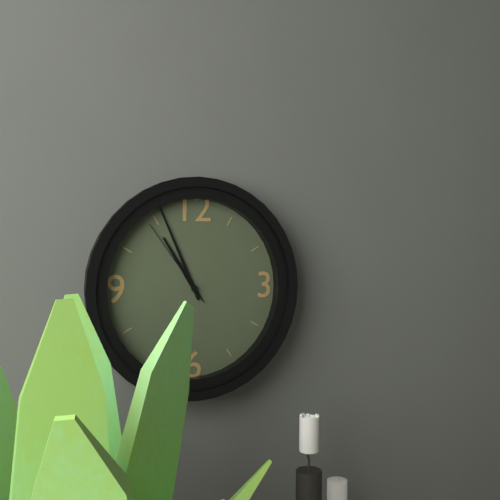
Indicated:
10.56.54
